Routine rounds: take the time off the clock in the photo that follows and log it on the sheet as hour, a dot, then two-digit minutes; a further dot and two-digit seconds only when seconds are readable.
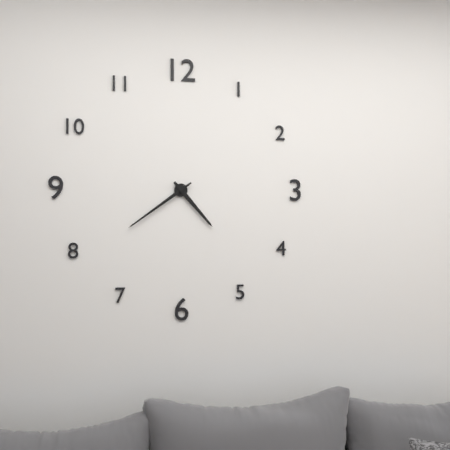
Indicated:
4.39
